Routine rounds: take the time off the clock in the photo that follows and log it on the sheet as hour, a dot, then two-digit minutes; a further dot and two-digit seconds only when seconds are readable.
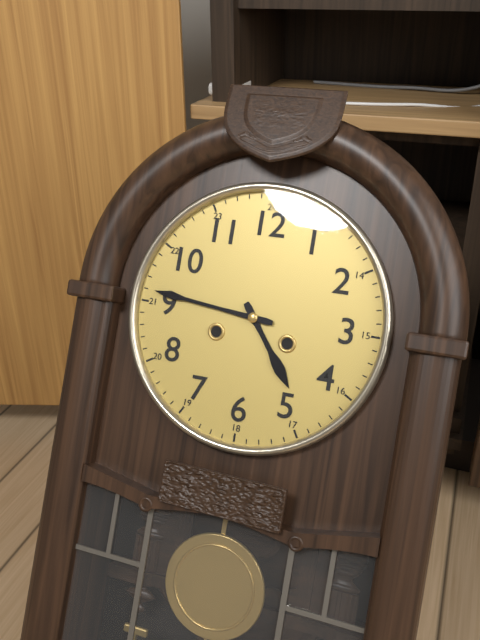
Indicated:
4.46
